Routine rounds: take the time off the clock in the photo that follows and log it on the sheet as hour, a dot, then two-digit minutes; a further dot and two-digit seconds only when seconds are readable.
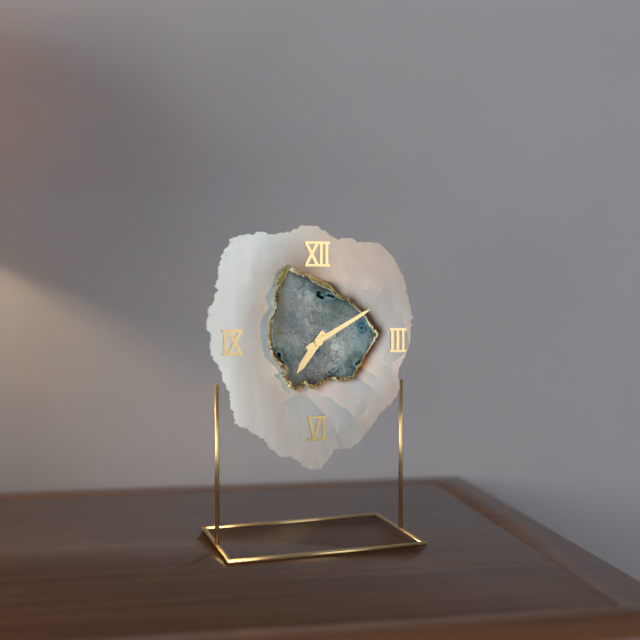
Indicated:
7.10
